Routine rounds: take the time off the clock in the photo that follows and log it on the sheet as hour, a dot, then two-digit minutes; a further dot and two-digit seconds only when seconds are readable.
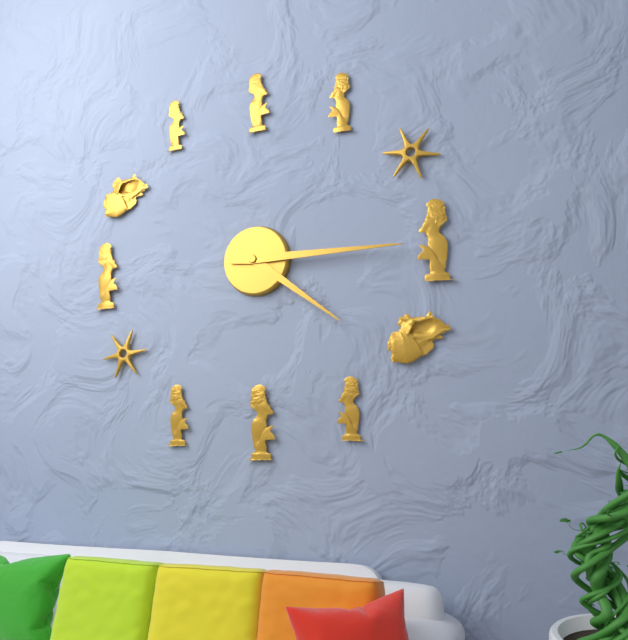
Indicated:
4.15
